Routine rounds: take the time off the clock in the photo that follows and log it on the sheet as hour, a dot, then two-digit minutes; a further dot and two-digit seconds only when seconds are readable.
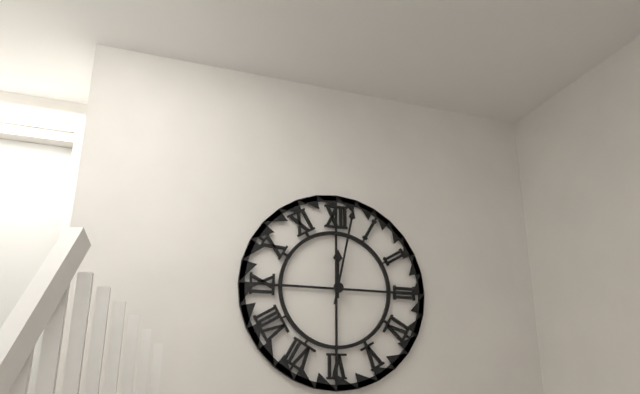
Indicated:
12.02
